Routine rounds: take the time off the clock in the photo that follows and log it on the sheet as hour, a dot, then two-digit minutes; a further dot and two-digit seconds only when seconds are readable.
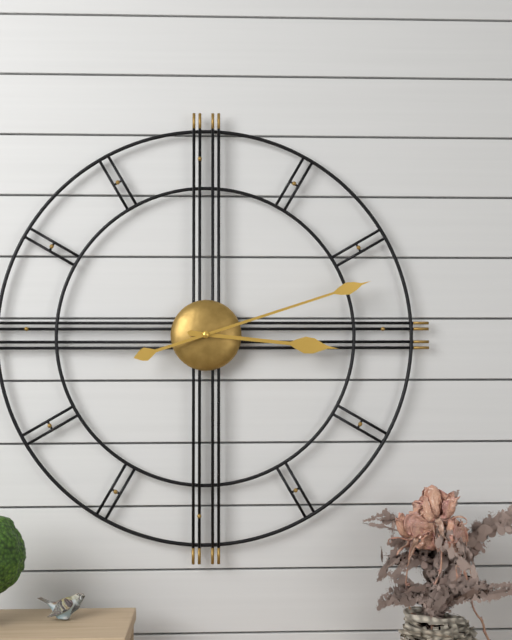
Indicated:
3.12
